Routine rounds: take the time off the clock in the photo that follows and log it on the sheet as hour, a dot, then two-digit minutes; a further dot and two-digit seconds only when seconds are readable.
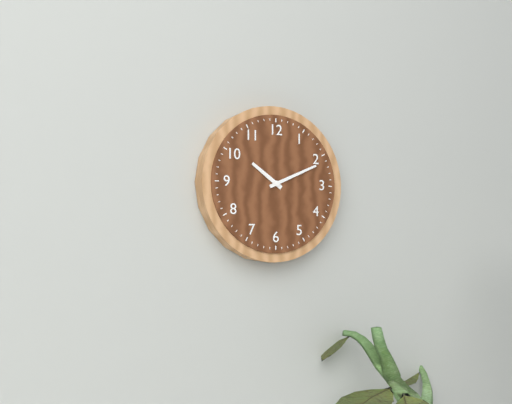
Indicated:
10.11
